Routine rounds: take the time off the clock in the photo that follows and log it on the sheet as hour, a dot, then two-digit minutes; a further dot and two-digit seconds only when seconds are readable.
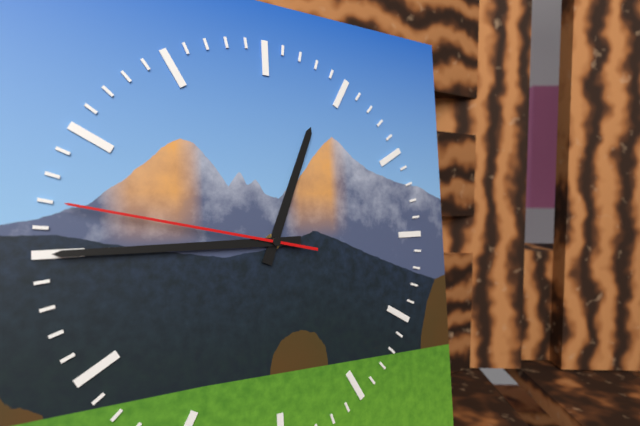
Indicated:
12.45.47
